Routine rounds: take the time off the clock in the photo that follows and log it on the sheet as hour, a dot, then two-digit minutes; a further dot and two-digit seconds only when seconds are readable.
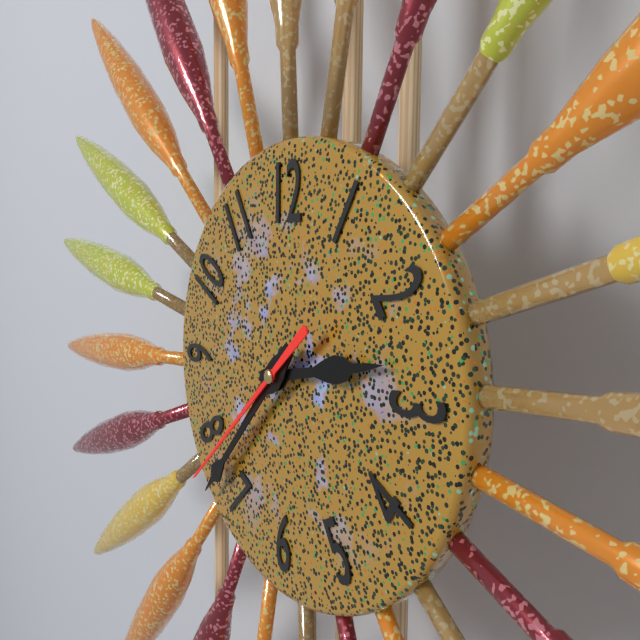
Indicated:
2.37.38
